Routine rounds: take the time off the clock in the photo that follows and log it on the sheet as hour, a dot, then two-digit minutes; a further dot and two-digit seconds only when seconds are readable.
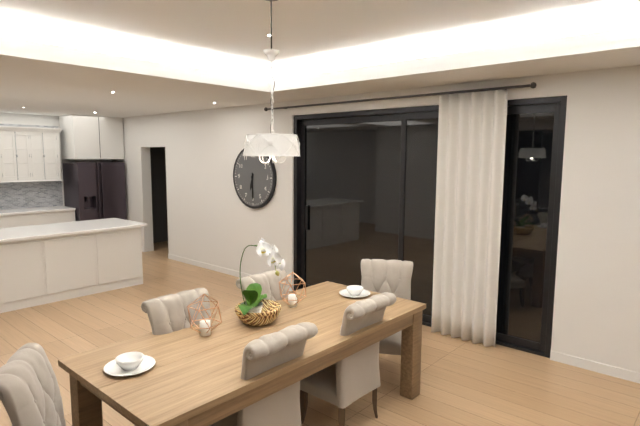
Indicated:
6.30
